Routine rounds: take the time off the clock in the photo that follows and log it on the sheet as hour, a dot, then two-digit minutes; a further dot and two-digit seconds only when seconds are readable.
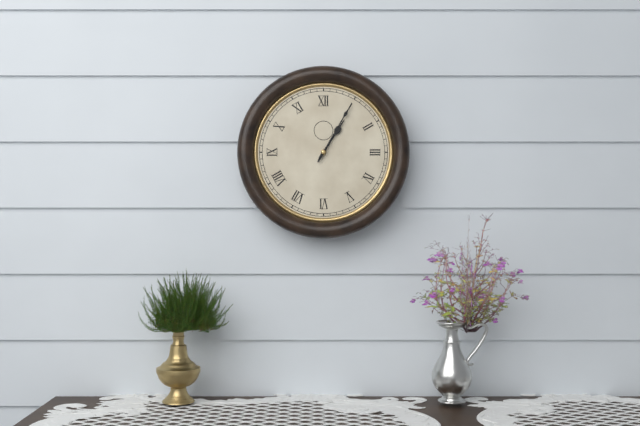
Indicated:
1.05
